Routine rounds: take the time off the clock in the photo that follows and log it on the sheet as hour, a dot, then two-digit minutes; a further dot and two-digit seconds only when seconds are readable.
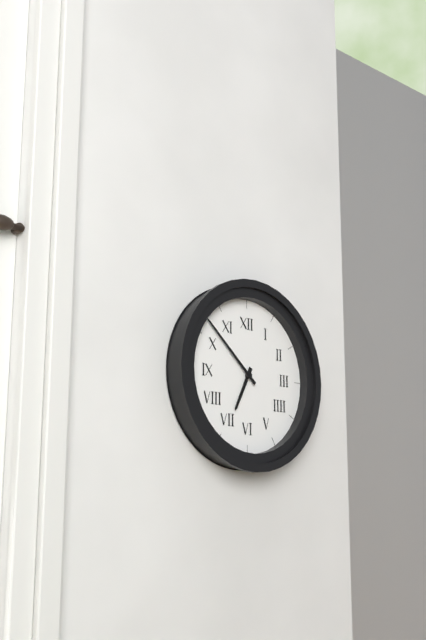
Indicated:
6.52
